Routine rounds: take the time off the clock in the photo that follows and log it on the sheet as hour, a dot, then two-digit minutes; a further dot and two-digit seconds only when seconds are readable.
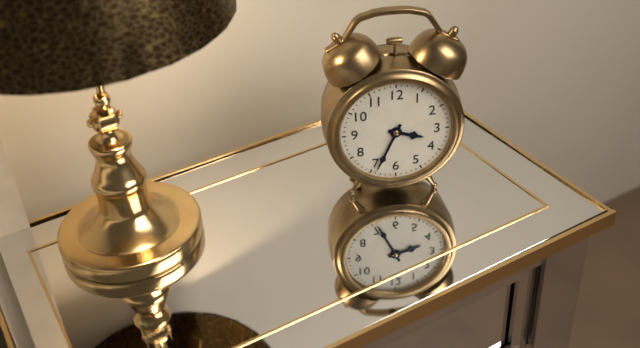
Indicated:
3.34
